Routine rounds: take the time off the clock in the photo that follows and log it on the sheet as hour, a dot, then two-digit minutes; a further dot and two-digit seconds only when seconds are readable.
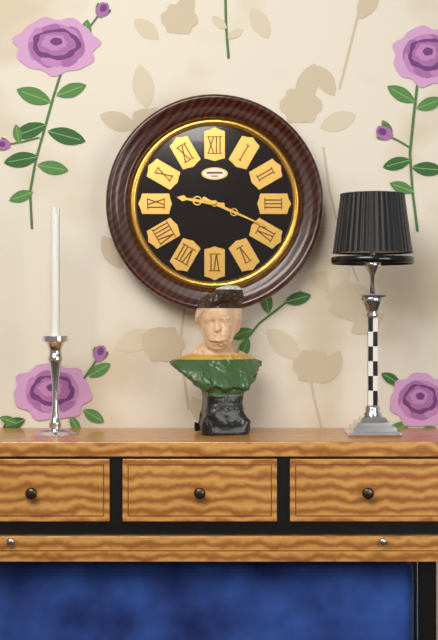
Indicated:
9.19
